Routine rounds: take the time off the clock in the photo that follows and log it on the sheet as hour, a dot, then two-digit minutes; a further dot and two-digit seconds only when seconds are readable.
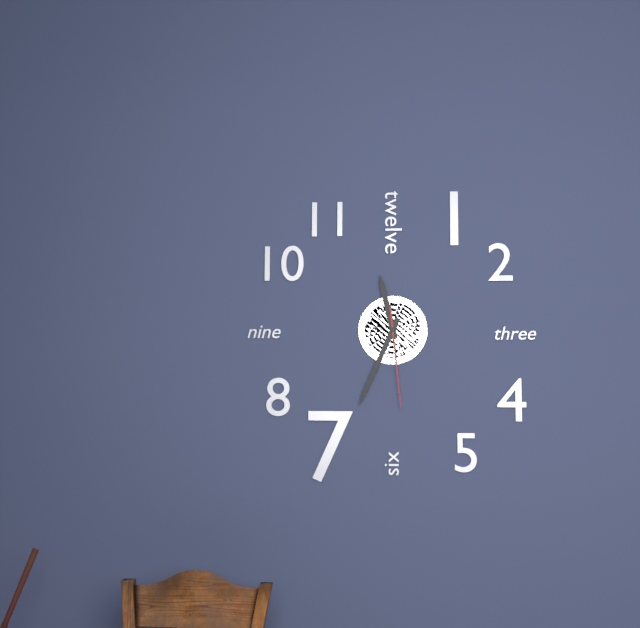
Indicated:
11.34.29
